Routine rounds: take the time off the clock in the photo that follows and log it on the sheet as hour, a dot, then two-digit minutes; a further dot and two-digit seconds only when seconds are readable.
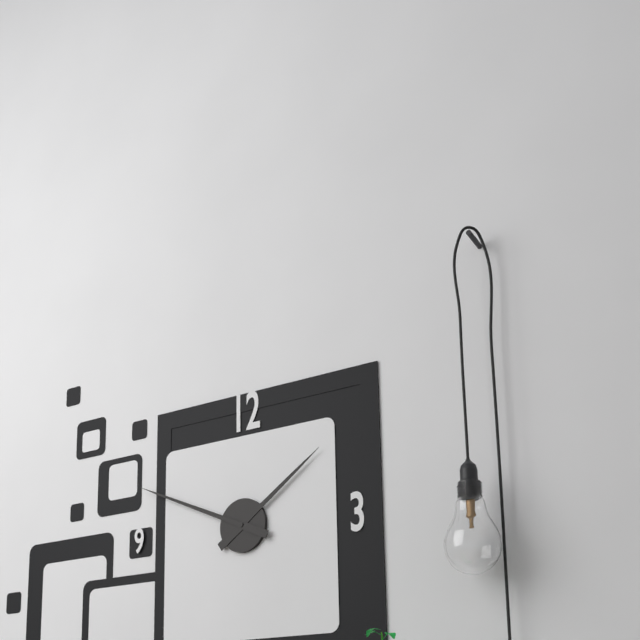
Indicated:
1.49
